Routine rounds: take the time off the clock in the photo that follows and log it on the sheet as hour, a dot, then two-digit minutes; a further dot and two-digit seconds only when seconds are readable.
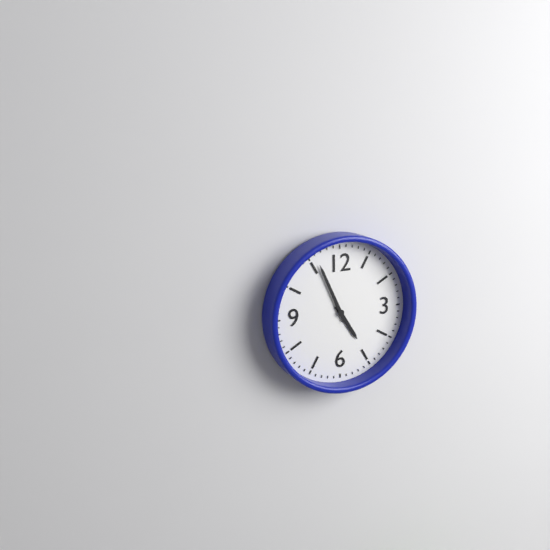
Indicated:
4.56
